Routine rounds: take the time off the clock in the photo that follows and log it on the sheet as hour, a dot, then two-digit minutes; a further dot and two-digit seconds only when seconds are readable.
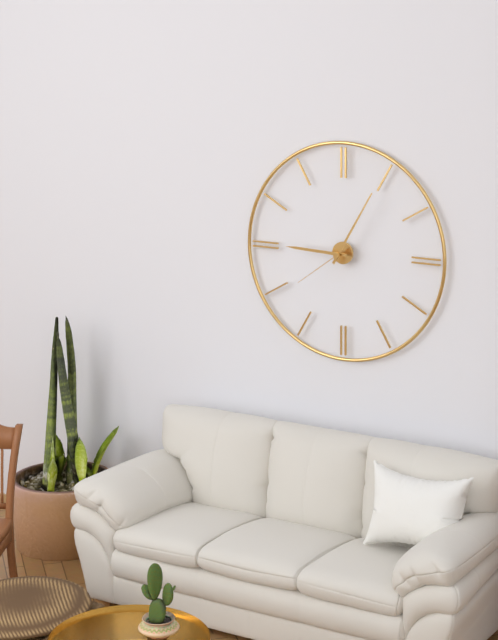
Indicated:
9.05.39
